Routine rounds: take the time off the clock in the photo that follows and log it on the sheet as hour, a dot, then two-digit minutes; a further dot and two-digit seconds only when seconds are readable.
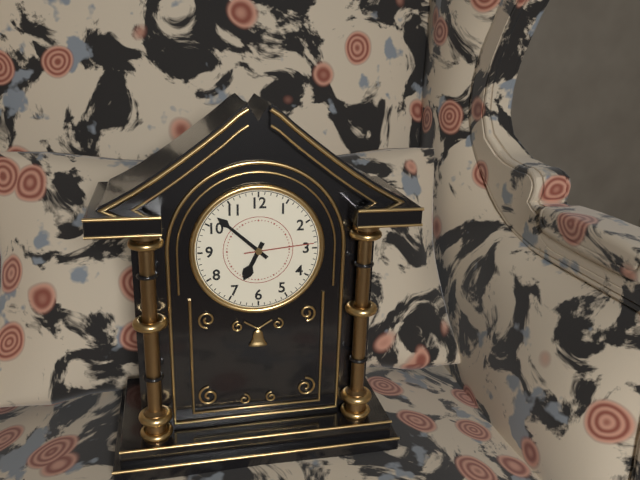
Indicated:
6.52.14
